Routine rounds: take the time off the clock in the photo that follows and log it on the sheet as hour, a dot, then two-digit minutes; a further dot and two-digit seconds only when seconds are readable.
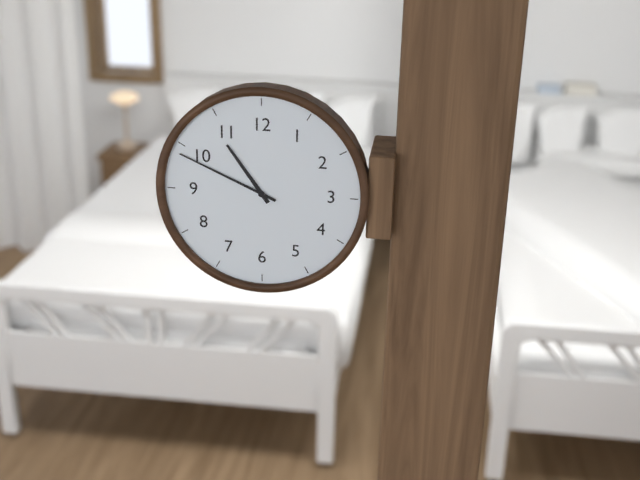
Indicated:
10.49
